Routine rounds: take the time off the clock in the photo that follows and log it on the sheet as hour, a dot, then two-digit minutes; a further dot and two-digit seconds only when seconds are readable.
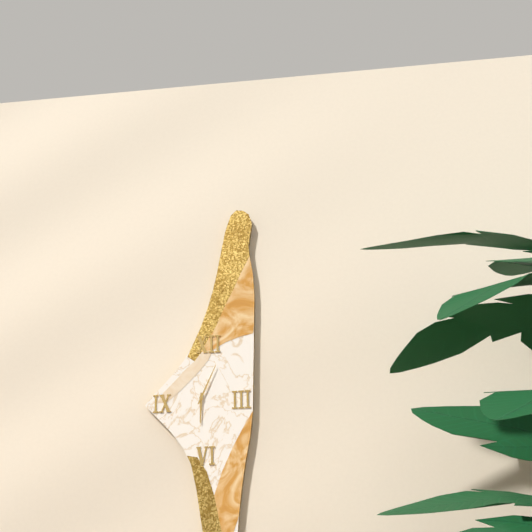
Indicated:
6.04
